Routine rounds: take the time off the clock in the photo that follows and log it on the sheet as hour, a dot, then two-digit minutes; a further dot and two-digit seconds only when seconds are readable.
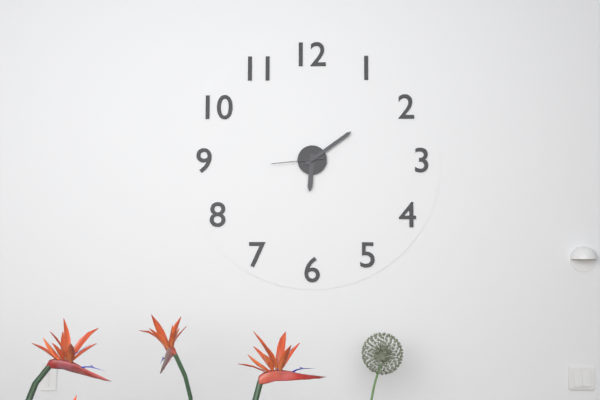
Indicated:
6.09.44
